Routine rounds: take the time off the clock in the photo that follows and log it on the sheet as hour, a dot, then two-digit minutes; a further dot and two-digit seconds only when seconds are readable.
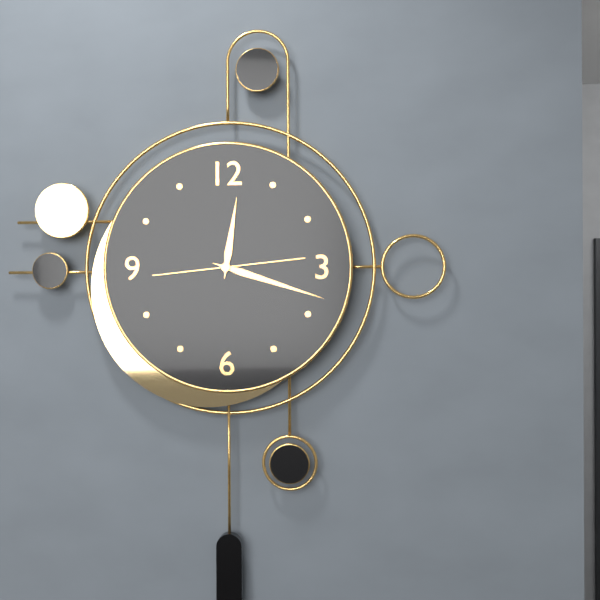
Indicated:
12.18.14
